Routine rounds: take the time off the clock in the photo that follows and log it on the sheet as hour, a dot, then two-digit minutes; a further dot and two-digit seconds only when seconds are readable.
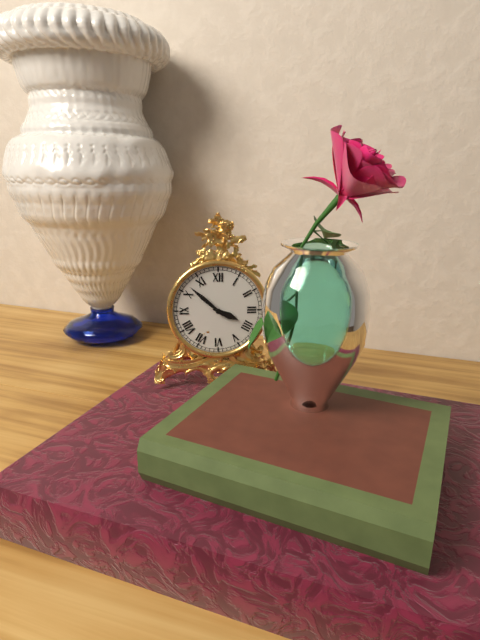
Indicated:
3.52
